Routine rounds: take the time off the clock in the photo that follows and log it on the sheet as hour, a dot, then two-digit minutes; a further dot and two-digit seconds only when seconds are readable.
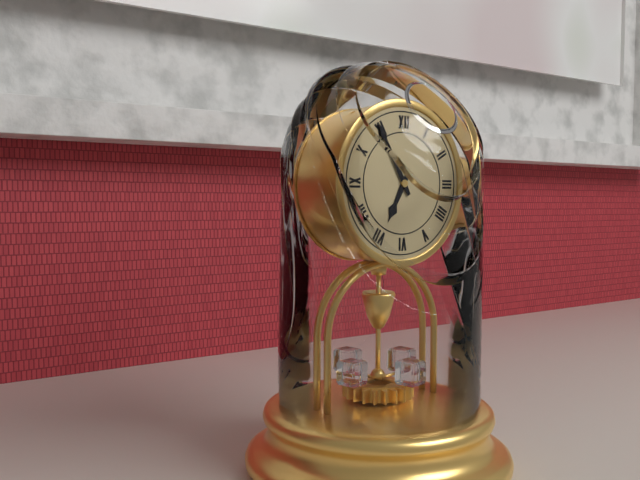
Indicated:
6.55
